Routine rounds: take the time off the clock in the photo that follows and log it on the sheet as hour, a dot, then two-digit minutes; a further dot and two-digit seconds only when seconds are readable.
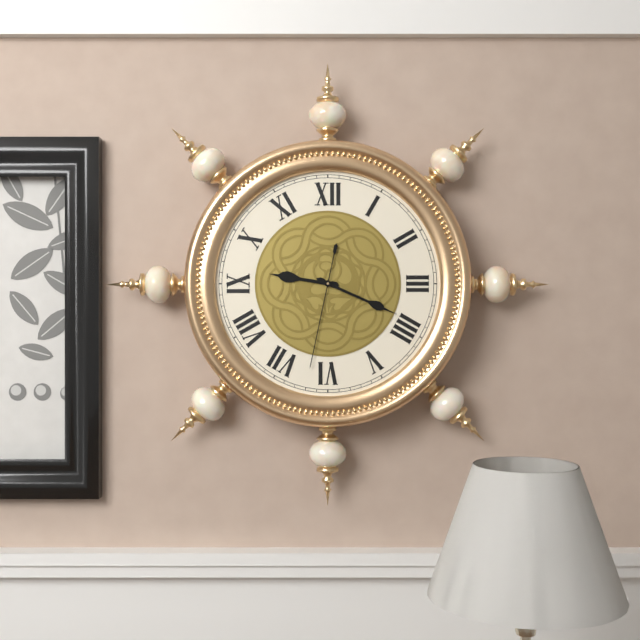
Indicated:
9.19.32
